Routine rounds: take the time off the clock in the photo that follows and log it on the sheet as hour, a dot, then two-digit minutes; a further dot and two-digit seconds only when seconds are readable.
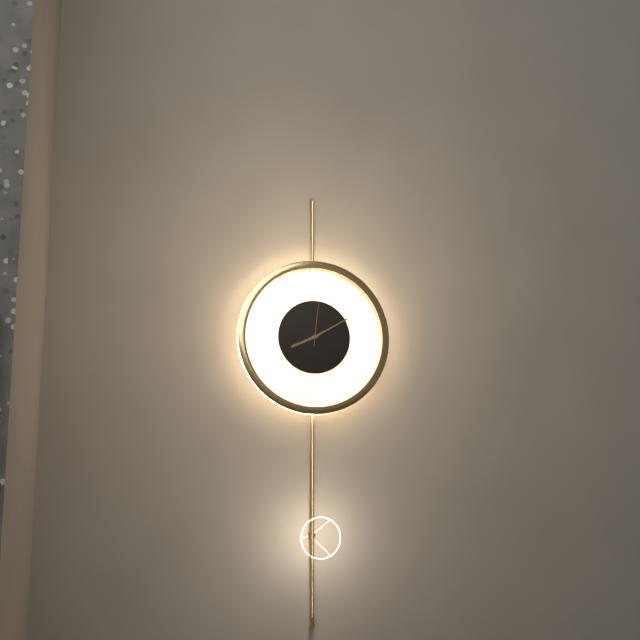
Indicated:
8.10.01
